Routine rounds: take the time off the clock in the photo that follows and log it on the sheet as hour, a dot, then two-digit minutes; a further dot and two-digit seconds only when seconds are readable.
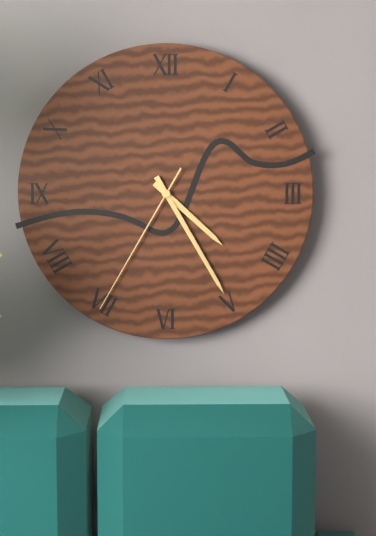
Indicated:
4.25.35
